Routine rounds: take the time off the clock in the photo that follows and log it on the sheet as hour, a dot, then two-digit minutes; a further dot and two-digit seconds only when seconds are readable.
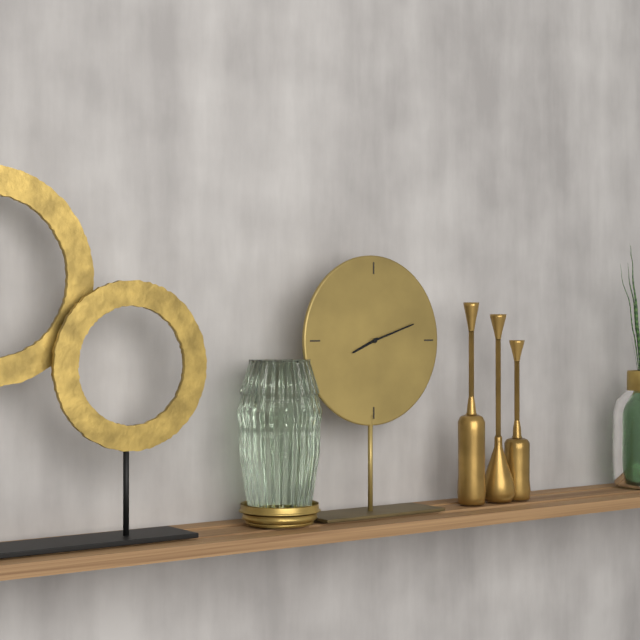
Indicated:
8.12
